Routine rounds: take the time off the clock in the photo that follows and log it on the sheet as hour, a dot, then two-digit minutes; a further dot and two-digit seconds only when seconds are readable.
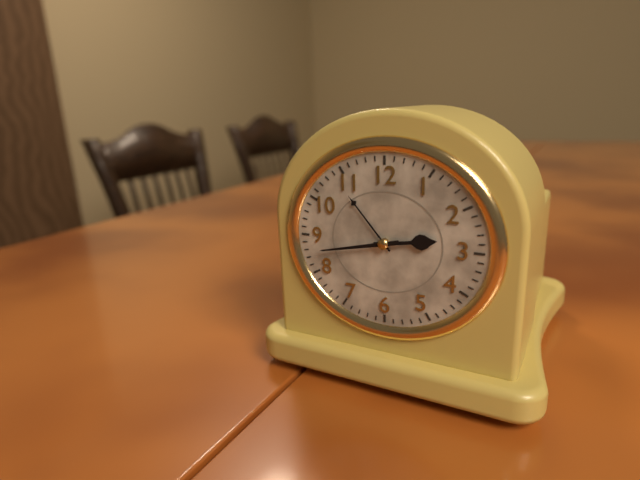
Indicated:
2.43
